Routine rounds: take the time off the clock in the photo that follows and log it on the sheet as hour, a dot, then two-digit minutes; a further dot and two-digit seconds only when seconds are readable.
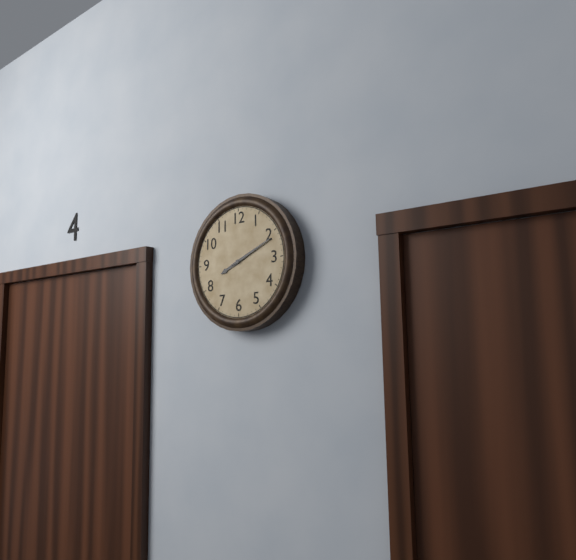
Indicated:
8.11
